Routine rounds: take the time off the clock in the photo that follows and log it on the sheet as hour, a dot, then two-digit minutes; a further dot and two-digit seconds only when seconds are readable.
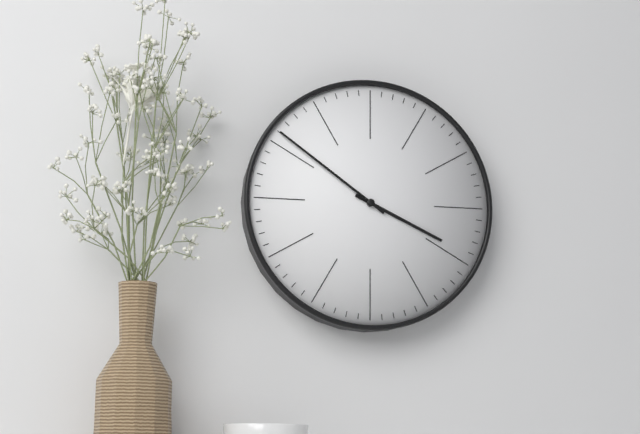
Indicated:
3.51
